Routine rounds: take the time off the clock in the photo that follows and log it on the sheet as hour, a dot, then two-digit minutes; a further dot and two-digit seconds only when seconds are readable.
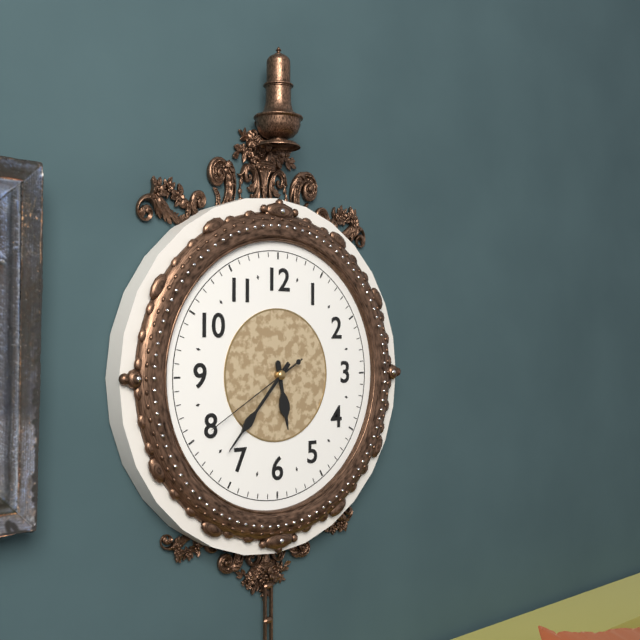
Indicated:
5.37.40
